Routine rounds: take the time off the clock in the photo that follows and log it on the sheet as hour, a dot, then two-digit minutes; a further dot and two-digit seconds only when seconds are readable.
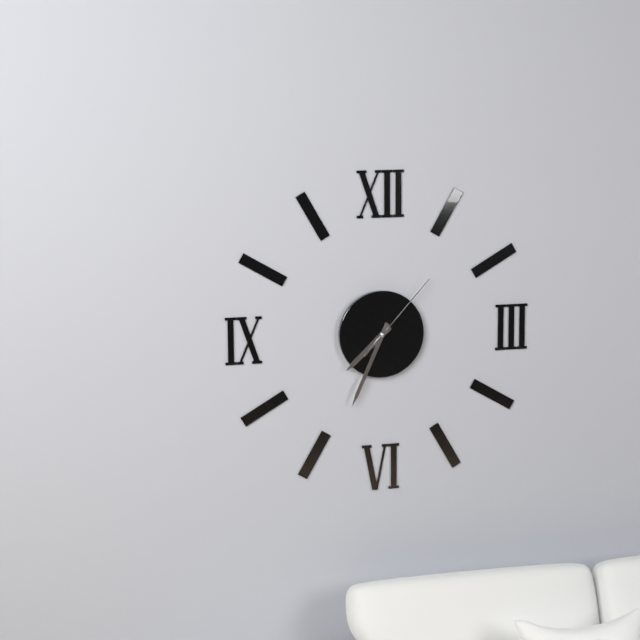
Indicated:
7.34.07
